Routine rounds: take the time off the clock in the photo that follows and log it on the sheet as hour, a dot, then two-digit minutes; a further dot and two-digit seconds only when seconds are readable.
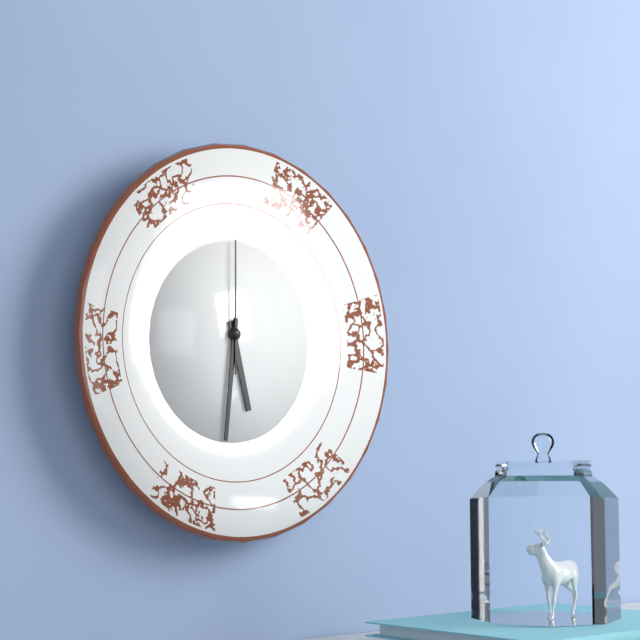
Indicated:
5.31.00
